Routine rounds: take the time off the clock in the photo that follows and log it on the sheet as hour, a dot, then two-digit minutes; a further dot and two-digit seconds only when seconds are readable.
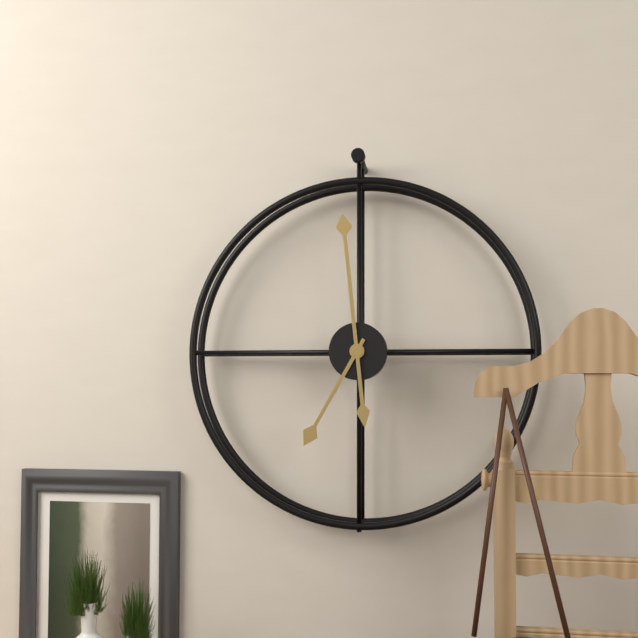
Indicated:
6.59
